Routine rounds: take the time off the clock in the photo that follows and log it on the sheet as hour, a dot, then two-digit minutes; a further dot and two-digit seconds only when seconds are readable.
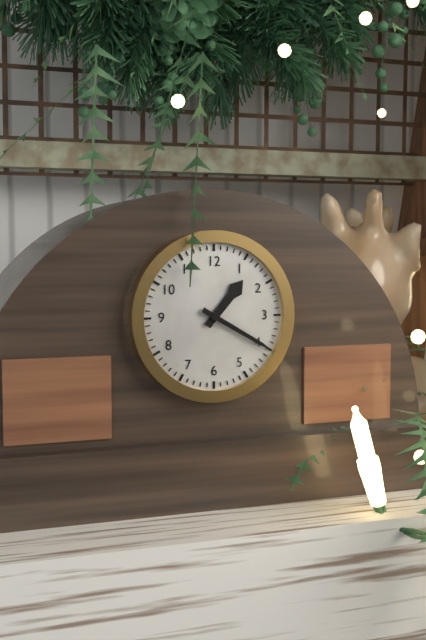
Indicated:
1.20
